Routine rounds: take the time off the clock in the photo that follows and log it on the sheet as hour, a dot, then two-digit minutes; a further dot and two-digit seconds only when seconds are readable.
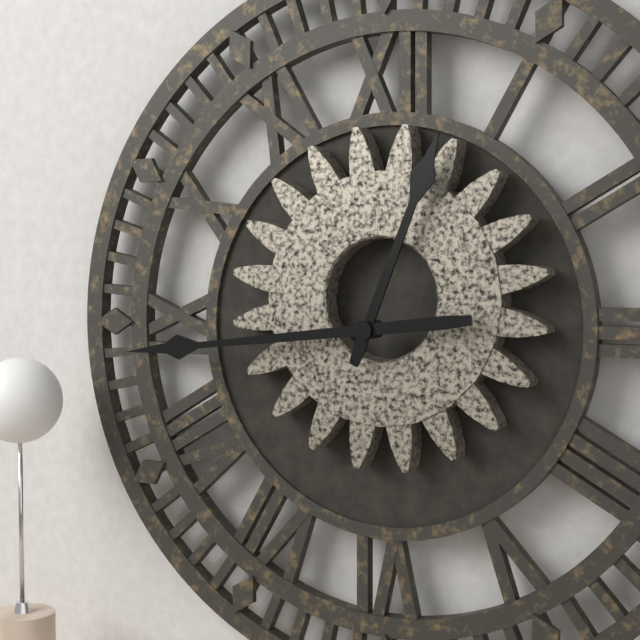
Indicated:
12.44
